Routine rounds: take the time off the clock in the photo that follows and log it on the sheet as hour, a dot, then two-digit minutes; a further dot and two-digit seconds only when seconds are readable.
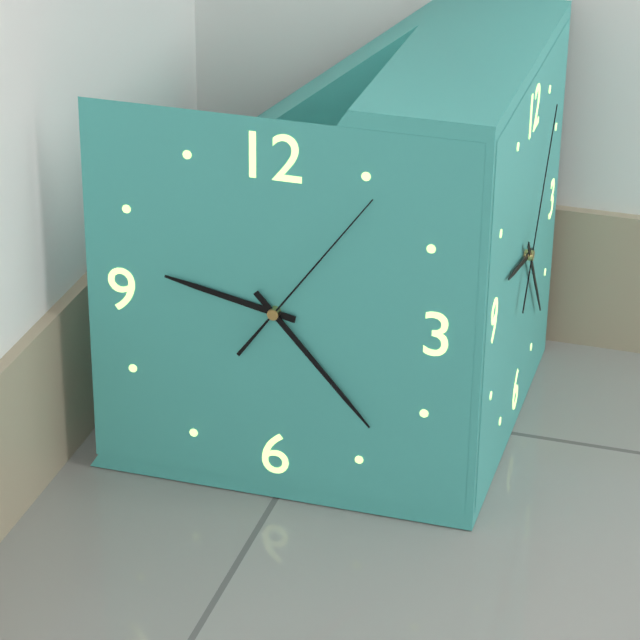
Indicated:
9.23.06
